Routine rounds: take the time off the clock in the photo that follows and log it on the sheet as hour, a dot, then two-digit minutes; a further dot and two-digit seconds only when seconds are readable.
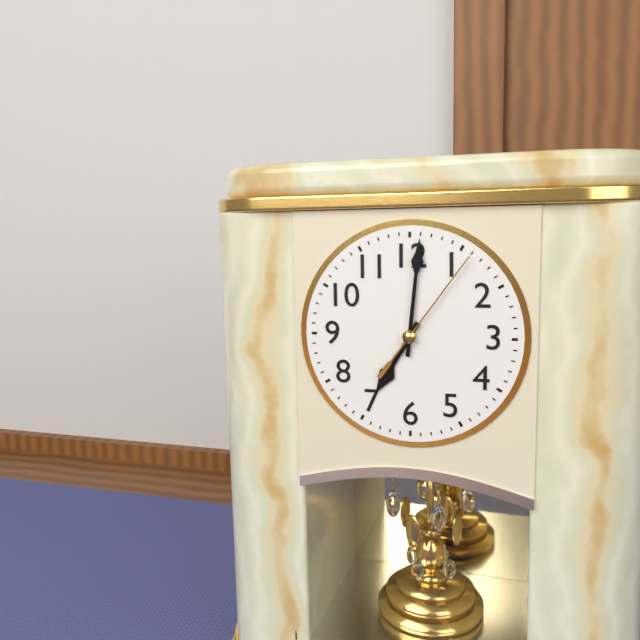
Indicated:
7.01.06
